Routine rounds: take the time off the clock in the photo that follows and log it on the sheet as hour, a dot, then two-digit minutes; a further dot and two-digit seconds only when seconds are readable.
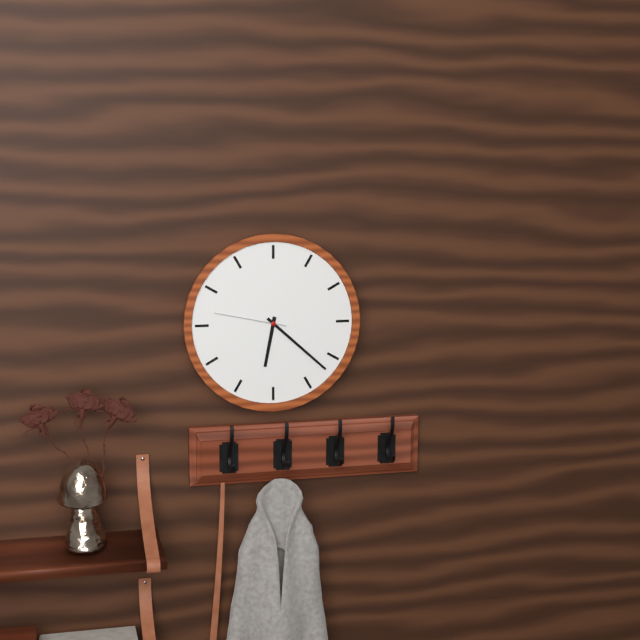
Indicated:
6.22.47
